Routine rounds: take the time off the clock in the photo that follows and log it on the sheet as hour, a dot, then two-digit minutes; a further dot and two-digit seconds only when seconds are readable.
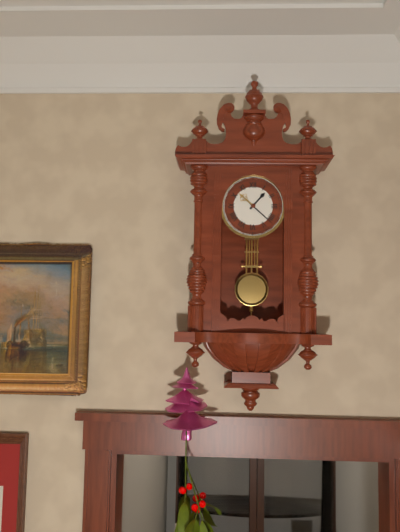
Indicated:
1.22
